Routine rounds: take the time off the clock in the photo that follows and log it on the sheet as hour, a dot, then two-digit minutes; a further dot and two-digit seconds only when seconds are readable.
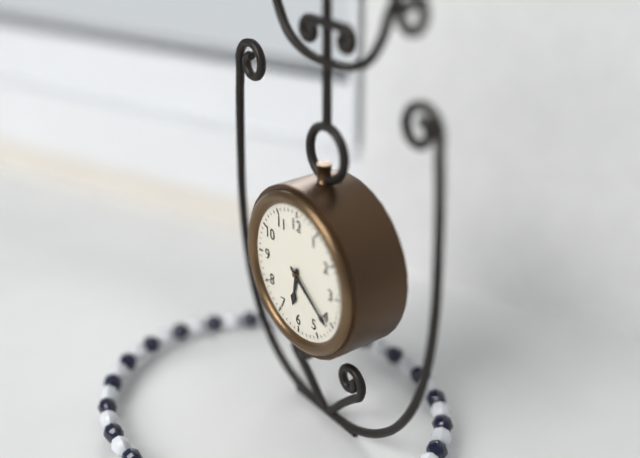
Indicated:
6.21
